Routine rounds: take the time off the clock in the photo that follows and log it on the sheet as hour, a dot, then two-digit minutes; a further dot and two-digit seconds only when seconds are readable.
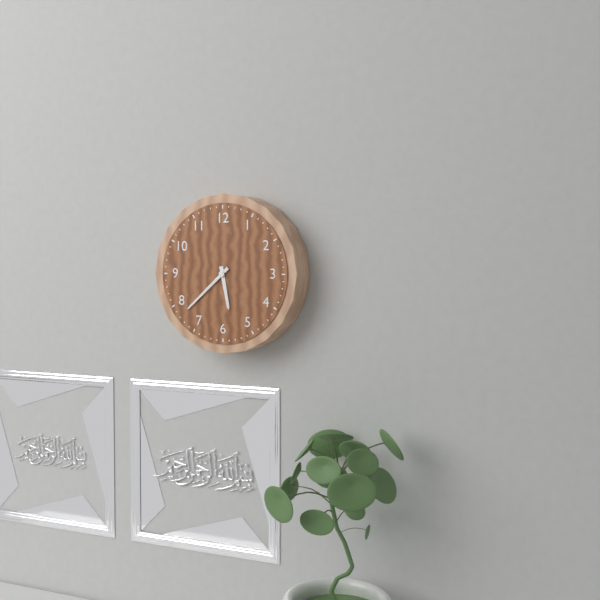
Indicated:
5.38
